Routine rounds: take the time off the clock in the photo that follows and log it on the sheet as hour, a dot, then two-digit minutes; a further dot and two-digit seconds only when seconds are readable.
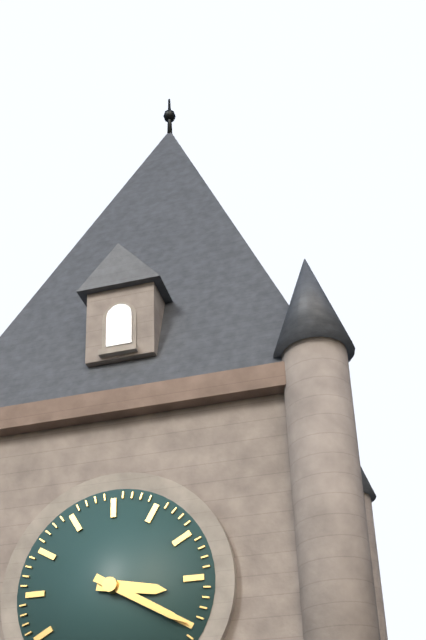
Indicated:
3.20
